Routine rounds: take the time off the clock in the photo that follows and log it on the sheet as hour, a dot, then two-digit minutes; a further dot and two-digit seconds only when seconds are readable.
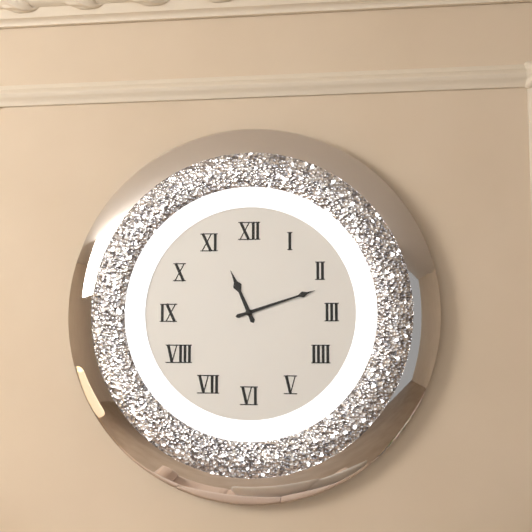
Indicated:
11.12
